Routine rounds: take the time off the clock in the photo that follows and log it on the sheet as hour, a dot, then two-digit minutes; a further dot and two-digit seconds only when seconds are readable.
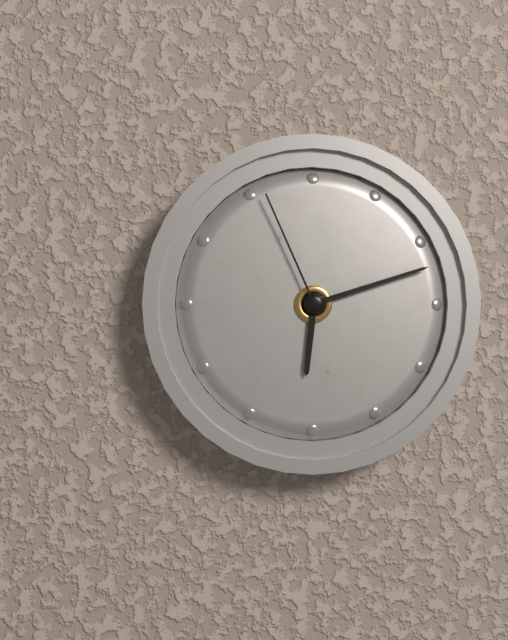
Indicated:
6.12.56
